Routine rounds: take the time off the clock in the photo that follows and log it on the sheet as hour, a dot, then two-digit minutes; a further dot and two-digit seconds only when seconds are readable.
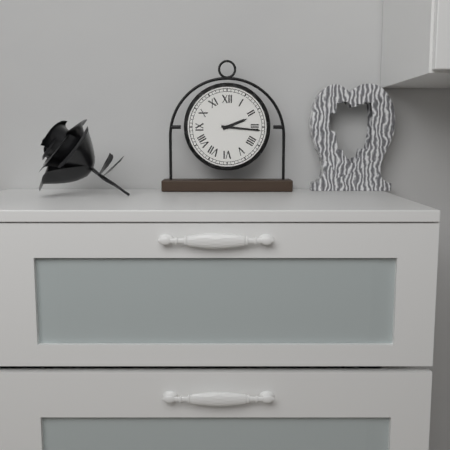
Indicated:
2.16
